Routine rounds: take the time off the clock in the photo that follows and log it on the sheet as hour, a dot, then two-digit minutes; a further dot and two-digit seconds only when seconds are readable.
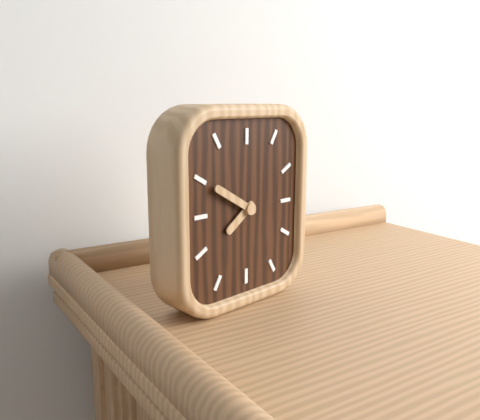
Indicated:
7.50
